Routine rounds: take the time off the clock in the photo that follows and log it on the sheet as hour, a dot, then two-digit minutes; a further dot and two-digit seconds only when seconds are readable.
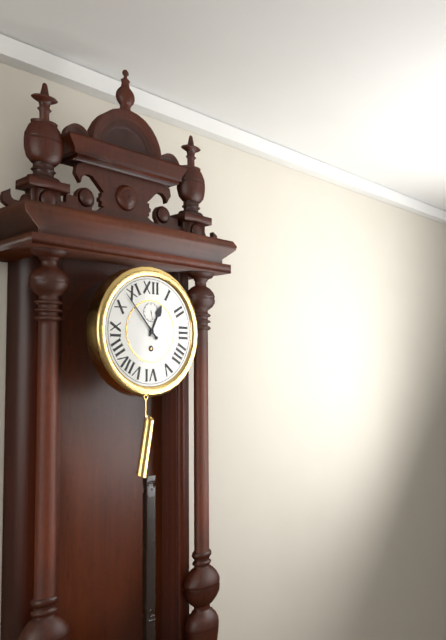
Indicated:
12.53
